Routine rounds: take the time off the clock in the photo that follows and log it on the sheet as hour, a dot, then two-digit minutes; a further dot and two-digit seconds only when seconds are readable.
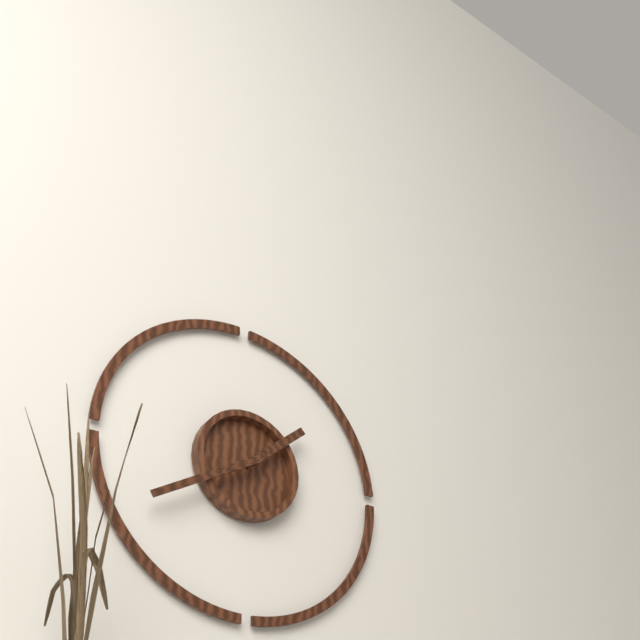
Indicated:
1.40
